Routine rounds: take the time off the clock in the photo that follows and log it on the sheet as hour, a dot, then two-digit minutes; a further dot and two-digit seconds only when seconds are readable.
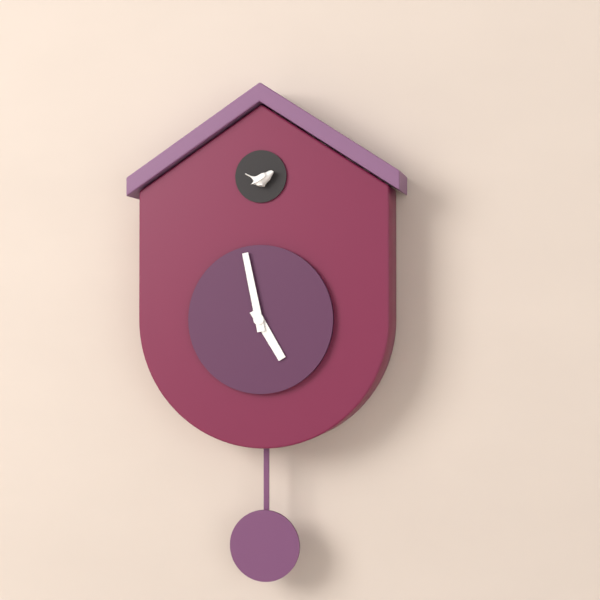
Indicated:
4.58
